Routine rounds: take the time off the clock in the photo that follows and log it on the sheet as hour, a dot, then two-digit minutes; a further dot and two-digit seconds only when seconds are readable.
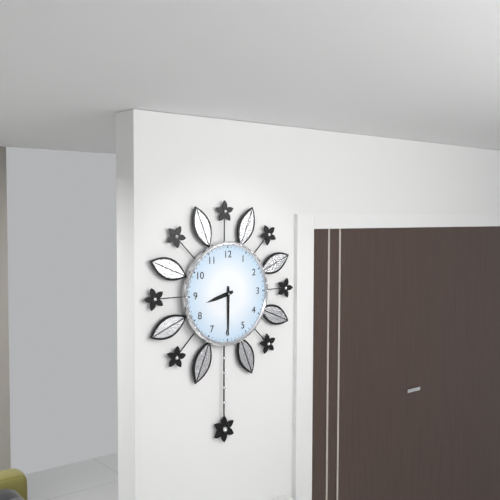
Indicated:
8.30
